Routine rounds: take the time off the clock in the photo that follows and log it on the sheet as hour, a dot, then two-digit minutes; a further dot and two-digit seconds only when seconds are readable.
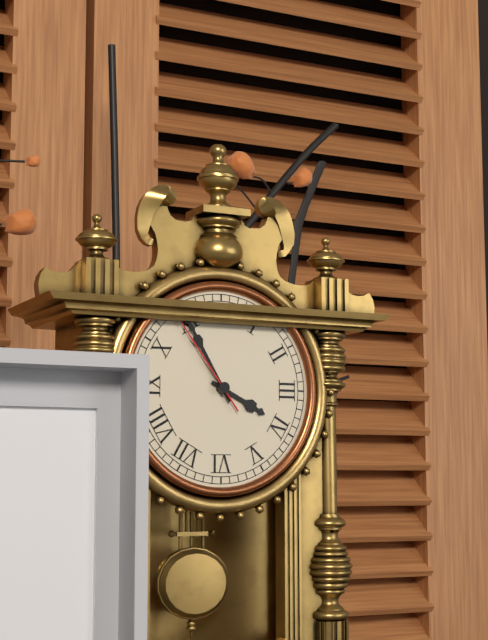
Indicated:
3.55.54
